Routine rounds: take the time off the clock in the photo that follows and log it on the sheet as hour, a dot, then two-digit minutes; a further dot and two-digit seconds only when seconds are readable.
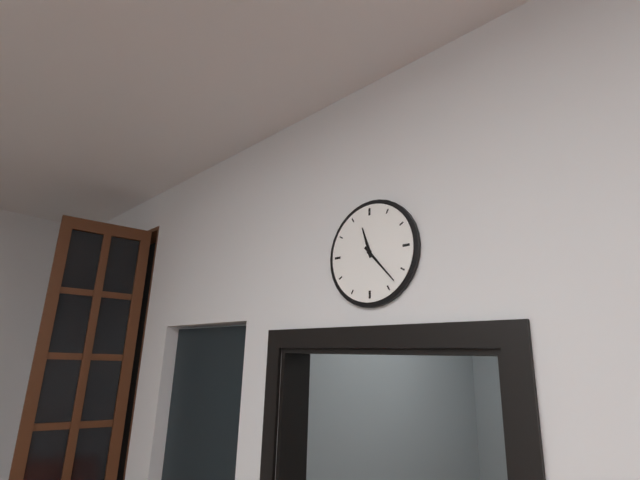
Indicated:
11.23
